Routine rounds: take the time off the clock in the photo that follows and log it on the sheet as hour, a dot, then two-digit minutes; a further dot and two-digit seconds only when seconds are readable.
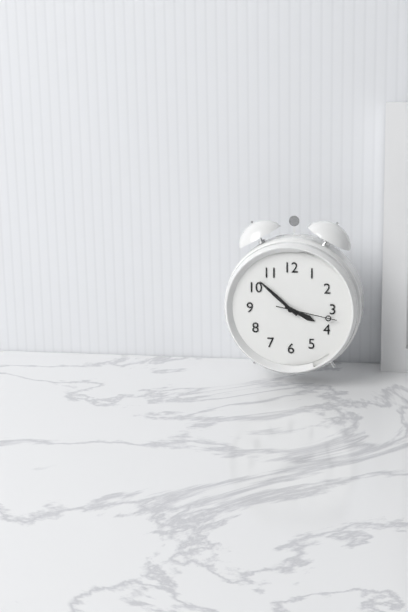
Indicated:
3.52.17
